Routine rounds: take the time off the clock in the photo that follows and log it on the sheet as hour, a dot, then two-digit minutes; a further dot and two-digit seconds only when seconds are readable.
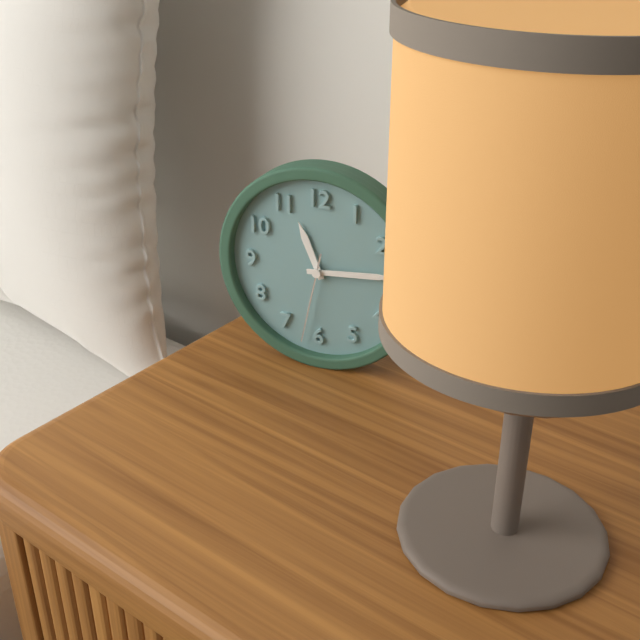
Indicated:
11.14.32
